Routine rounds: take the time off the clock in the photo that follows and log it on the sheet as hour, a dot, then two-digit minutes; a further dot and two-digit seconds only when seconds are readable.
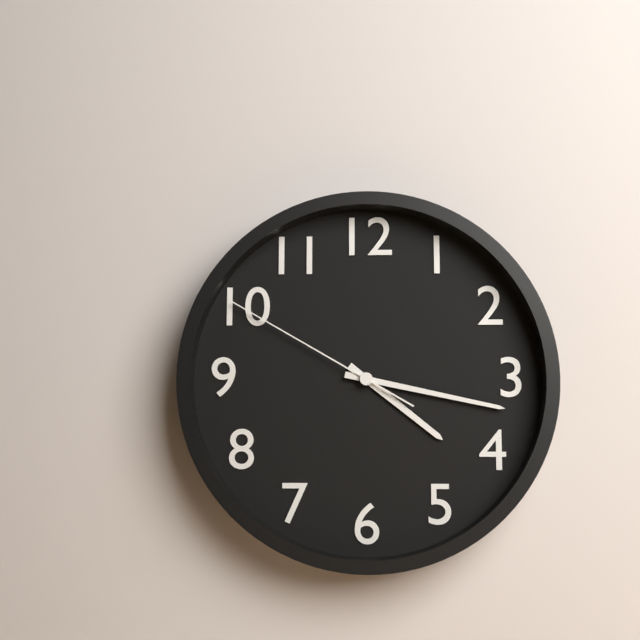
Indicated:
4.17.50
